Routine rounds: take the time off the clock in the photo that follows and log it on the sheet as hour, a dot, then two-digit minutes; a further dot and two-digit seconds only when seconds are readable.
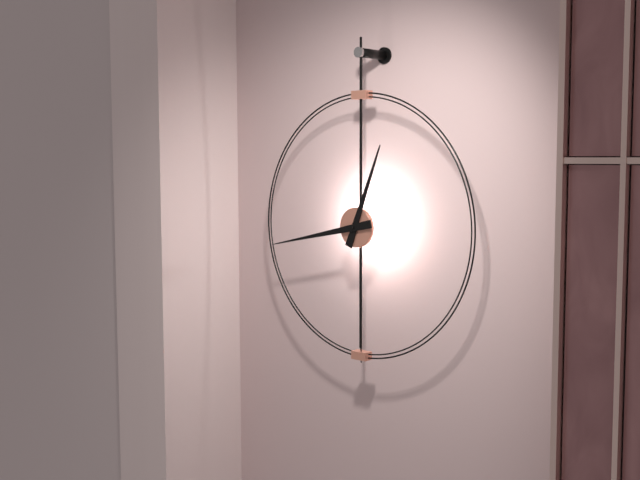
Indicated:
12.43
